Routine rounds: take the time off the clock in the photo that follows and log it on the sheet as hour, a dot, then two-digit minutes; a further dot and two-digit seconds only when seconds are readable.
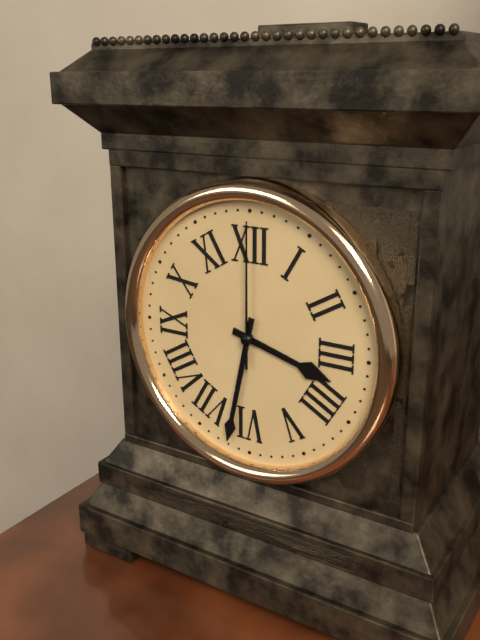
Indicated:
3.32.00
